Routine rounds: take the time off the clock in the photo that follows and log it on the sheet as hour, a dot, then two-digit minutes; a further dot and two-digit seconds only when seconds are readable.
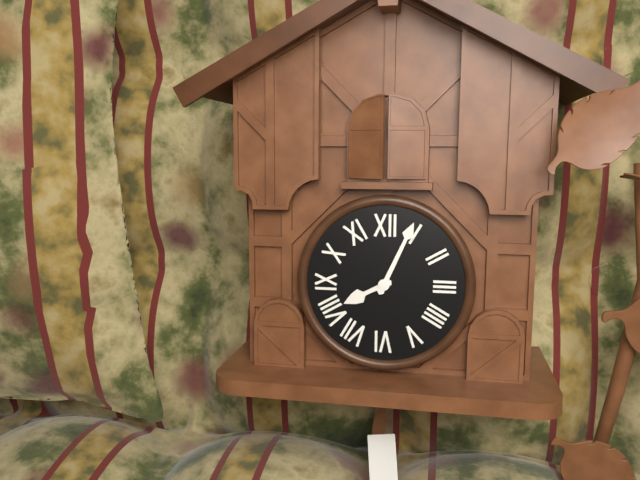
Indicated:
8.04
